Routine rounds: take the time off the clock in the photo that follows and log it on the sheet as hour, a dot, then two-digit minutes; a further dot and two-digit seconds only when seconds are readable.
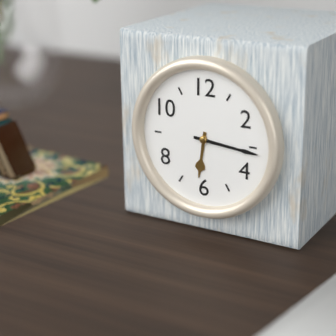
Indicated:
6.16
